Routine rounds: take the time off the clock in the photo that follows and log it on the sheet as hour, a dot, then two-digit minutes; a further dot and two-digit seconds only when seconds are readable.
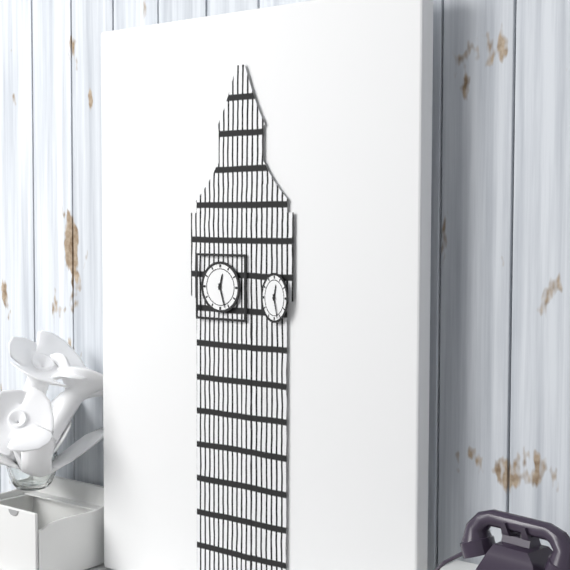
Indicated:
12.27
